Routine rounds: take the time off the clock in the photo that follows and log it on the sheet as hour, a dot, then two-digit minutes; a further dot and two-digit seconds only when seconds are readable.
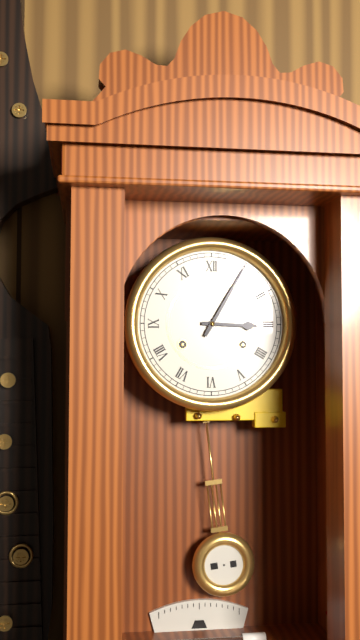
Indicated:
3.05
